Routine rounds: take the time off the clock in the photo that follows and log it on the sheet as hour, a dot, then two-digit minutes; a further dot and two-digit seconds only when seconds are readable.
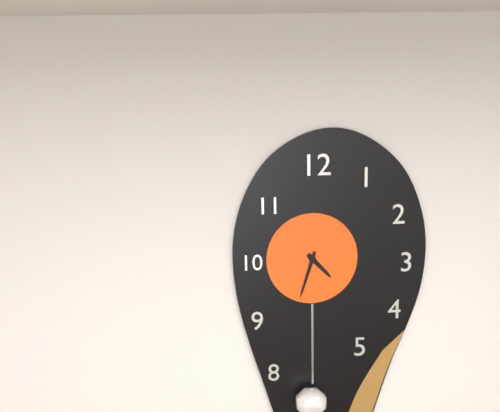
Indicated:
4.33
